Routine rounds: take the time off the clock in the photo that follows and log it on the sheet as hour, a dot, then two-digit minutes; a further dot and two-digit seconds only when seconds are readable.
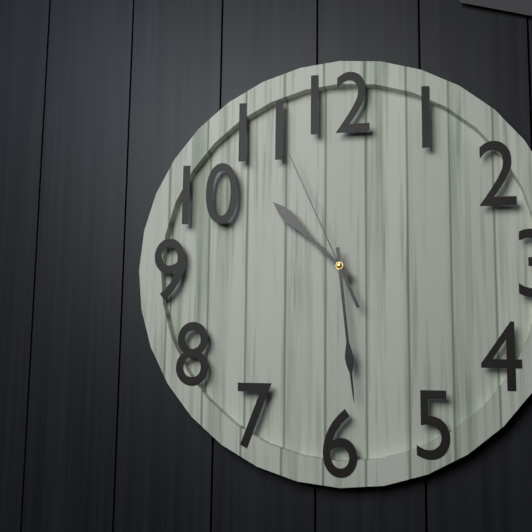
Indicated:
10.29.56
